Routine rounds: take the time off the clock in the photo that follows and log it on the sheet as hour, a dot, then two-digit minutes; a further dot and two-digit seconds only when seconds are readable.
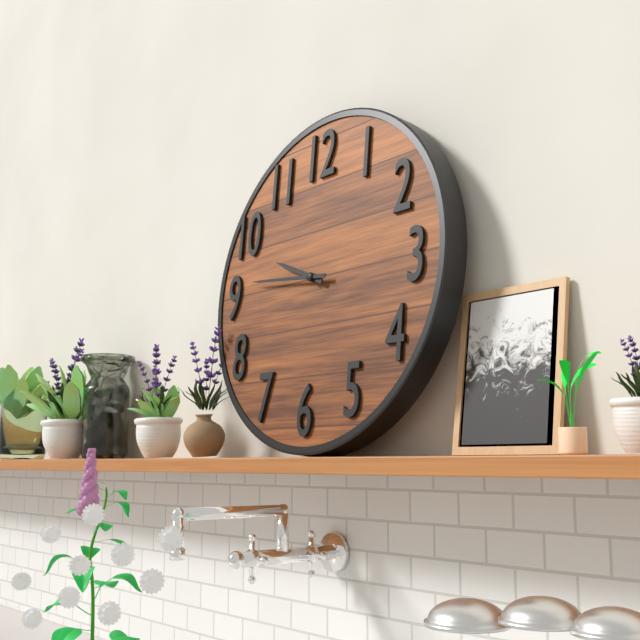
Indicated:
9.46
